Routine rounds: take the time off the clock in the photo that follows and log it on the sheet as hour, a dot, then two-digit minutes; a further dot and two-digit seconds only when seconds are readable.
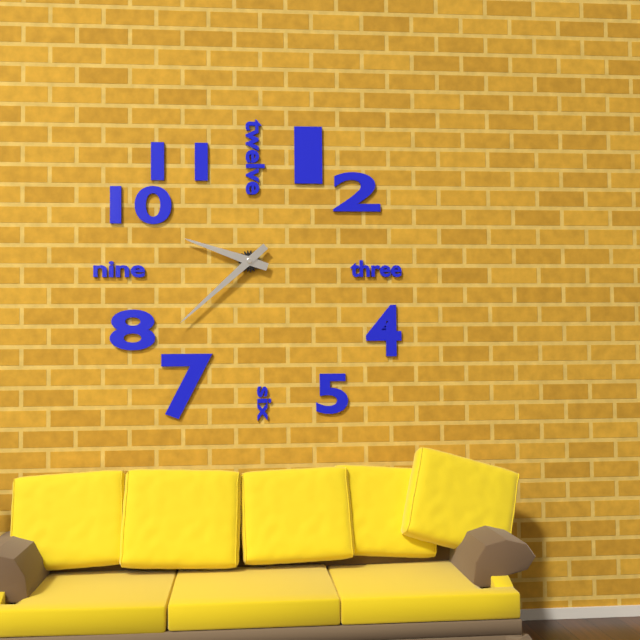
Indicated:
9.38
